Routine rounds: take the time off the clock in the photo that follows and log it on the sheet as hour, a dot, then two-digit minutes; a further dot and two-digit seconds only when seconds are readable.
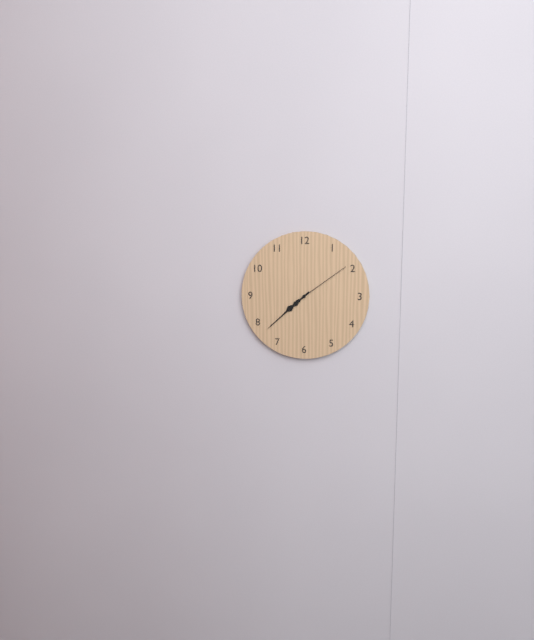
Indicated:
7.38.09
